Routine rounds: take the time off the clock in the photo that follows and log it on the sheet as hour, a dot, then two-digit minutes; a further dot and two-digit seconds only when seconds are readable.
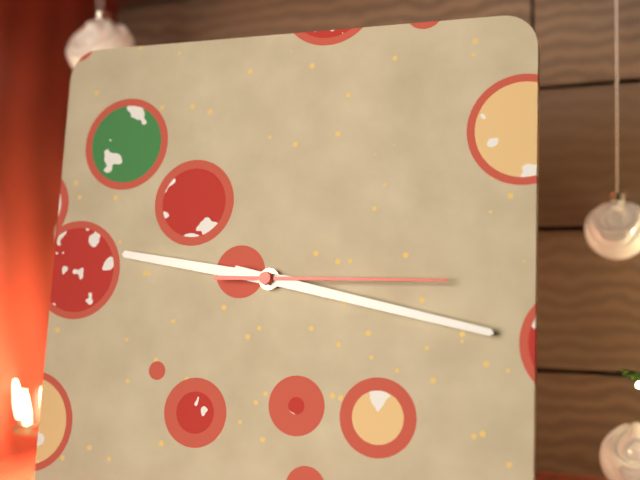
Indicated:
9.17.15
